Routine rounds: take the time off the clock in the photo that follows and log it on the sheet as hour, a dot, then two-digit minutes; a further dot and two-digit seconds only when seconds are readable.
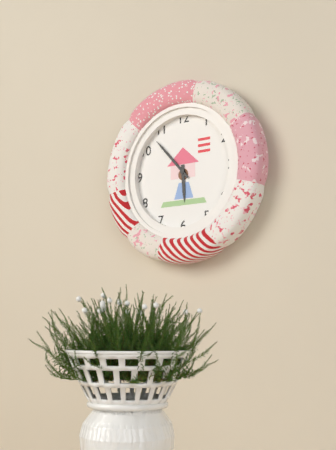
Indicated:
5.53
